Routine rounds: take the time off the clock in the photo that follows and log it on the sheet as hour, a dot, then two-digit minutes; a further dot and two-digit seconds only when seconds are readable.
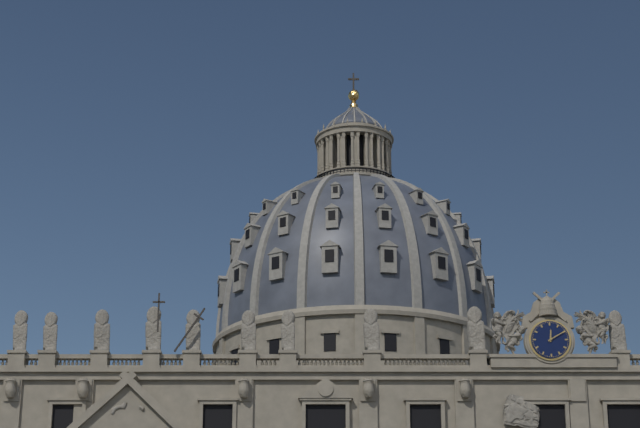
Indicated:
12.10
